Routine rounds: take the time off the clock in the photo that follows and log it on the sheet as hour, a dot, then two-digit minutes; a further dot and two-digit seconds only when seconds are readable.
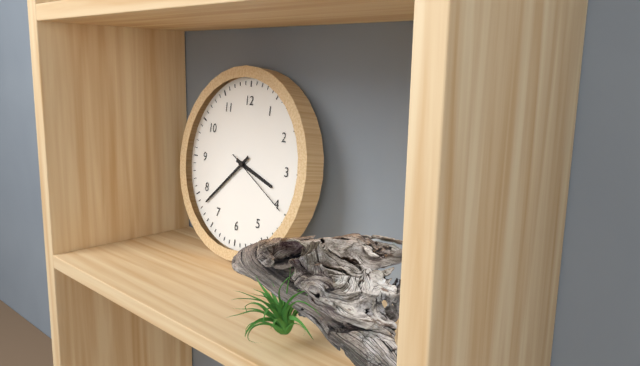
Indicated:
3.38.20
